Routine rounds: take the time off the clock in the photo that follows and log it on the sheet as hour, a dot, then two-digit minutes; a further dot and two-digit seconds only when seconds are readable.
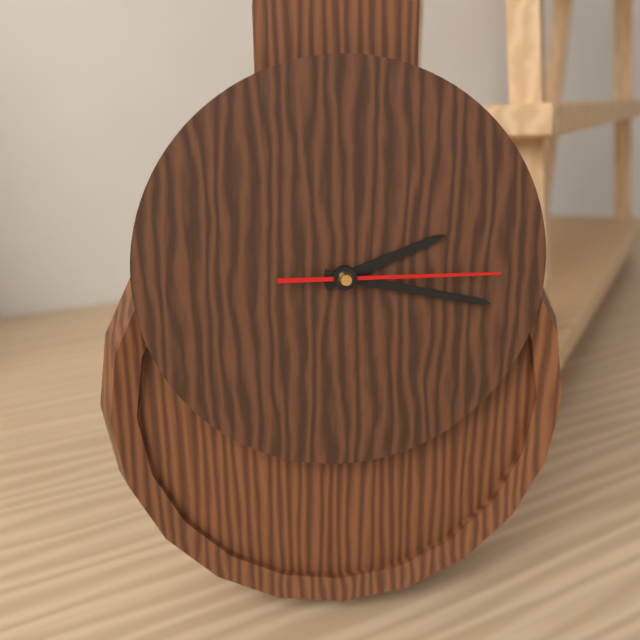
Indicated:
2.17.15
